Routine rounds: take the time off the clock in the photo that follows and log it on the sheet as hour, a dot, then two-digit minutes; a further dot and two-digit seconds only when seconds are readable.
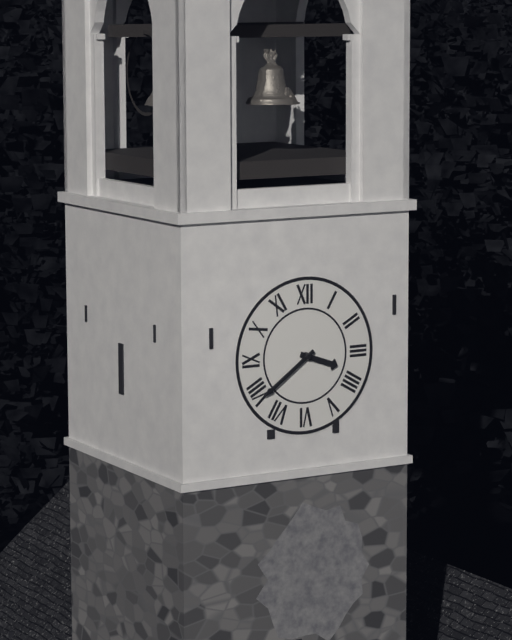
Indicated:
3.39
